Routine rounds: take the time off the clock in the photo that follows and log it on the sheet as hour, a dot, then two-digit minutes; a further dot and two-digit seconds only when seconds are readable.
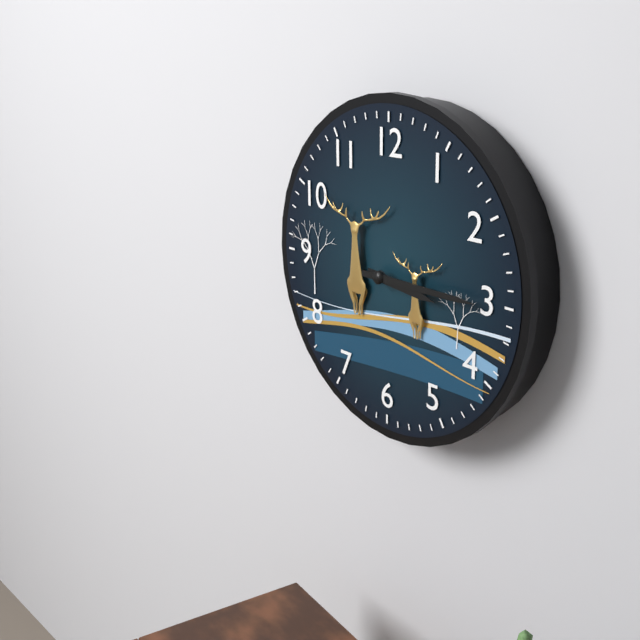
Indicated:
3.15
